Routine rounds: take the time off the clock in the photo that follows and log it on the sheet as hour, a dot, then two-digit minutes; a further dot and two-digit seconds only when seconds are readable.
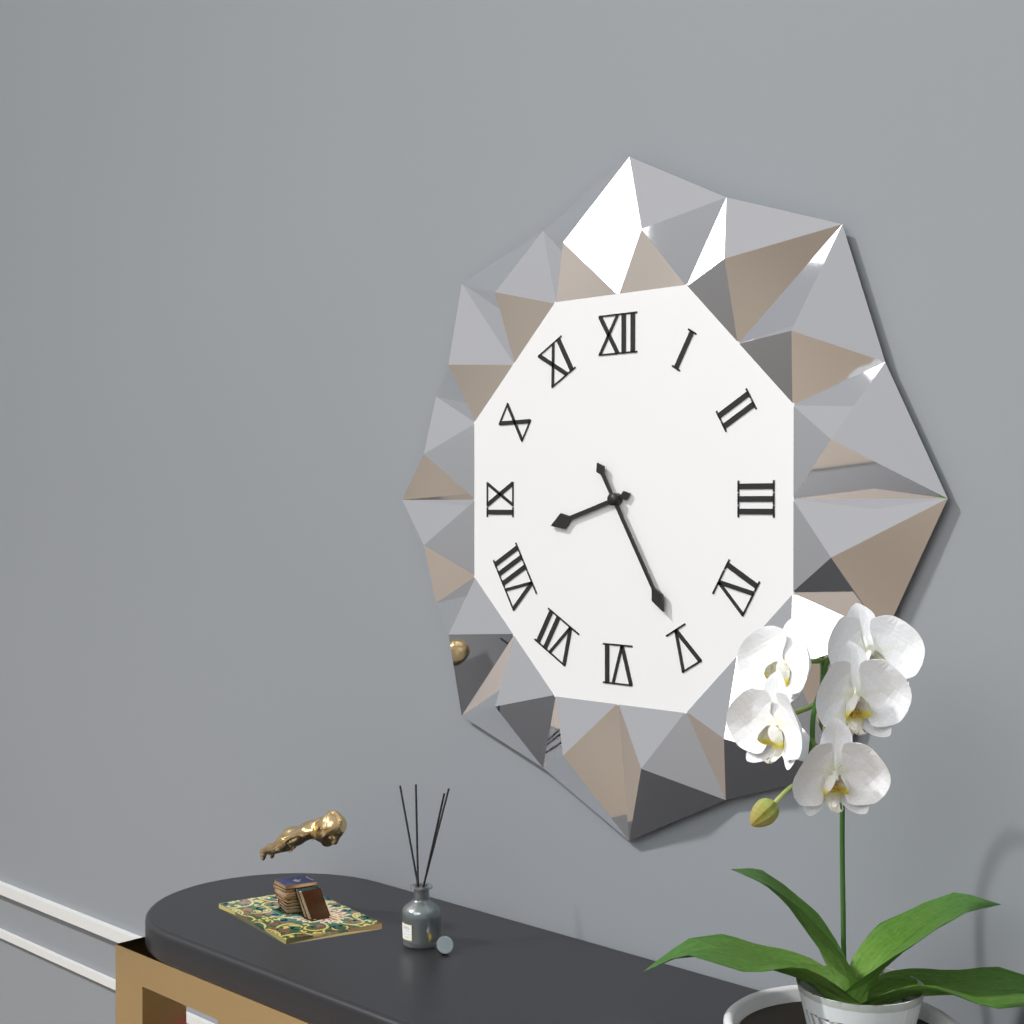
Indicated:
8.25
